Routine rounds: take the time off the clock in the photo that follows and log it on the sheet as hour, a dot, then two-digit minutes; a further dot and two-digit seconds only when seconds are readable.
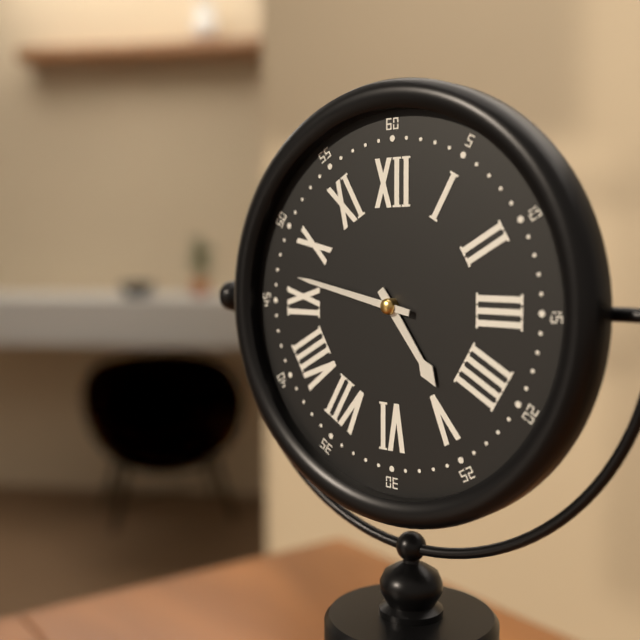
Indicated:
4.47
